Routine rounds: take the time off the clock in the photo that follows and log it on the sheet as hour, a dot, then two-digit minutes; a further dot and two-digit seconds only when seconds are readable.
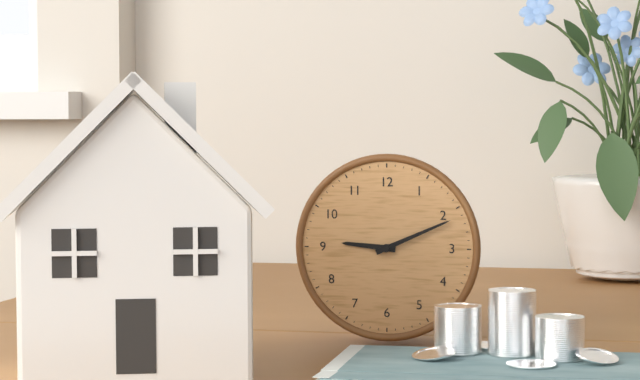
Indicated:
9.11
